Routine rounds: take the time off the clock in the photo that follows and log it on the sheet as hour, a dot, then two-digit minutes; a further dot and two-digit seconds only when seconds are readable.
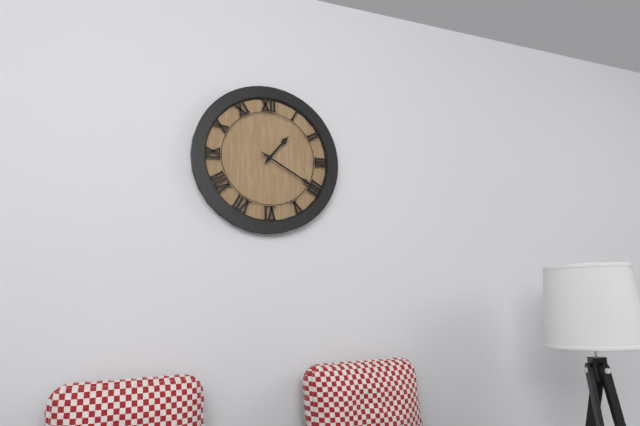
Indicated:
1.20
